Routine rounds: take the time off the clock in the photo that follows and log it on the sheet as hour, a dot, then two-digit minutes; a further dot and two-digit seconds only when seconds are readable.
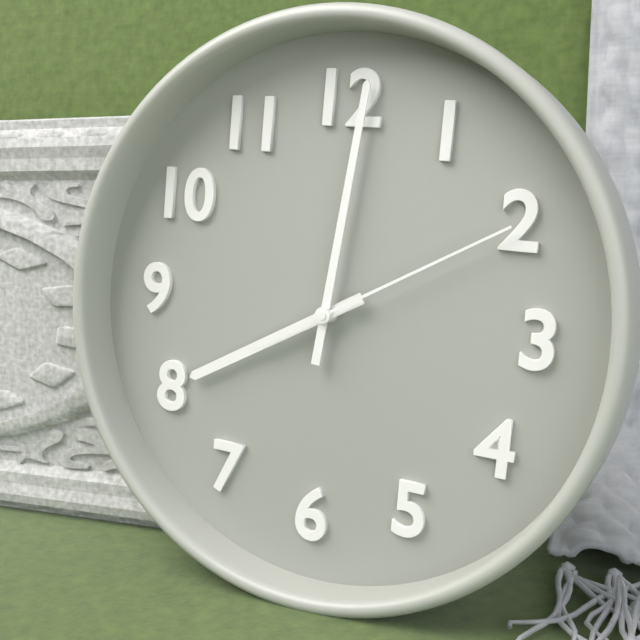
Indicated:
8.01.10
